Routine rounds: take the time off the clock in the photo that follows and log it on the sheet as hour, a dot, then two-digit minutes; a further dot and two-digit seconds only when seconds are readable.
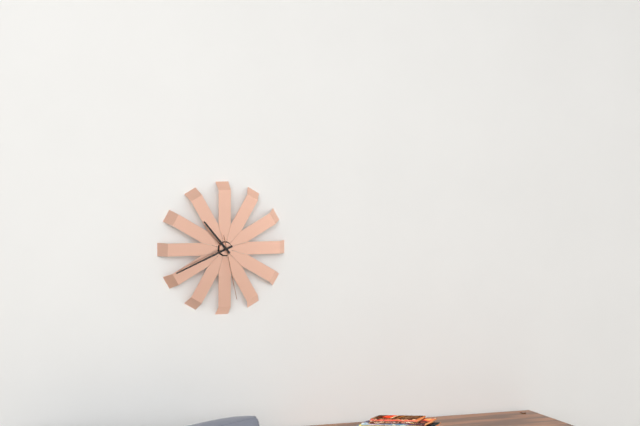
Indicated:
10.41.28
